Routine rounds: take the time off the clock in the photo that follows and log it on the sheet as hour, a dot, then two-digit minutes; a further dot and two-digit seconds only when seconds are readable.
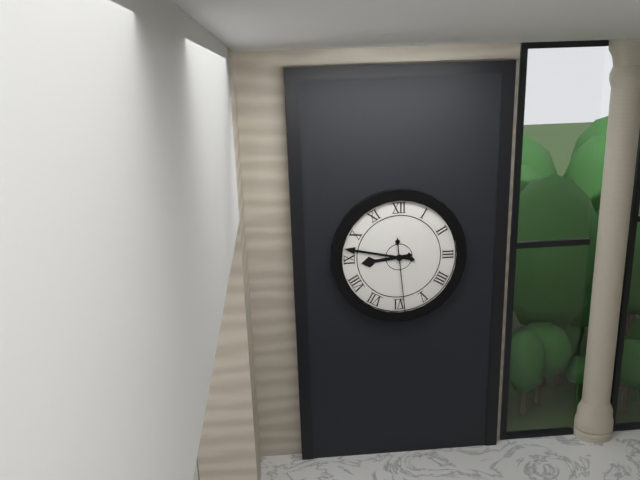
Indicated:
8.47.29
